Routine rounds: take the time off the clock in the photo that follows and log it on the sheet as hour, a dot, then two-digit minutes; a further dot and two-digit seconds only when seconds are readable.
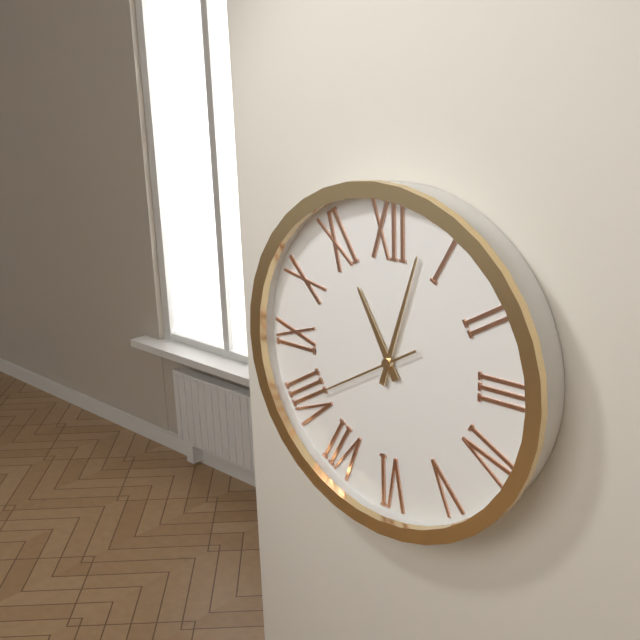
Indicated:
11.03.40
